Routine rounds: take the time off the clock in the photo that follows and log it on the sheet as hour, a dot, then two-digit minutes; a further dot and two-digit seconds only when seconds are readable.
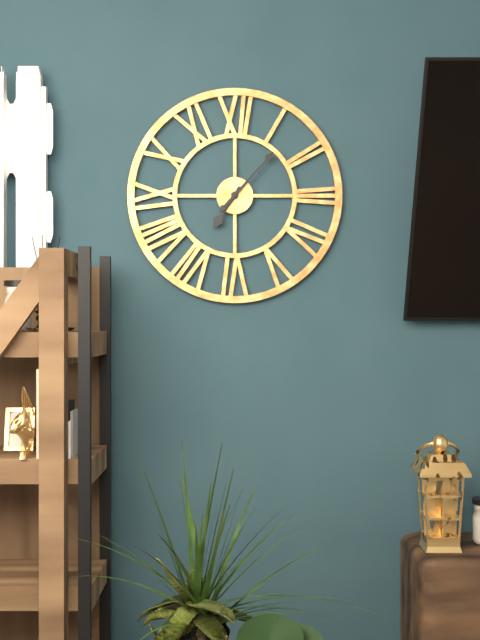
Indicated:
7.07
